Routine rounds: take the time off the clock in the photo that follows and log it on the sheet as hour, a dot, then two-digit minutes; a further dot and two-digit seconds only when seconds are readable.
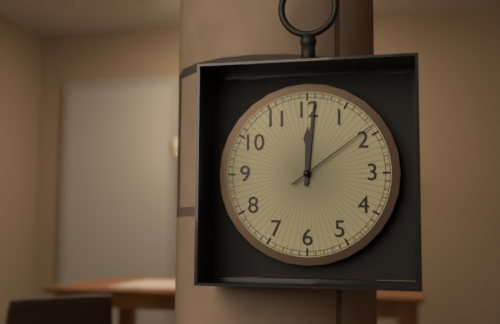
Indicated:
12.01.09
